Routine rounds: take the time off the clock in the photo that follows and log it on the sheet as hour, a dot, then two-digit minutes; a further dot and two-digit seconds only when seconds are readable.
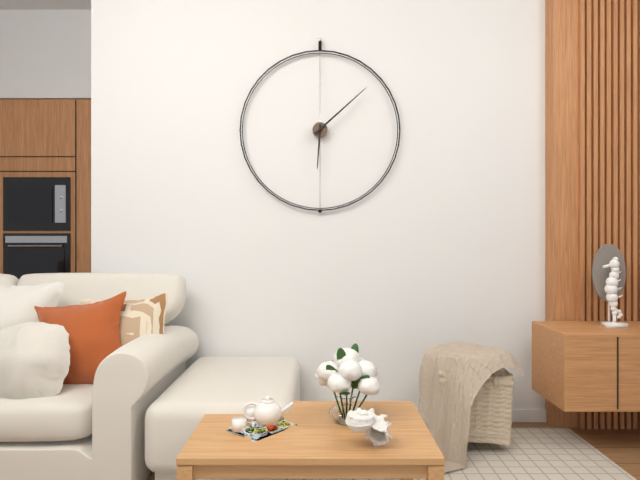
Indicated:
6.08
